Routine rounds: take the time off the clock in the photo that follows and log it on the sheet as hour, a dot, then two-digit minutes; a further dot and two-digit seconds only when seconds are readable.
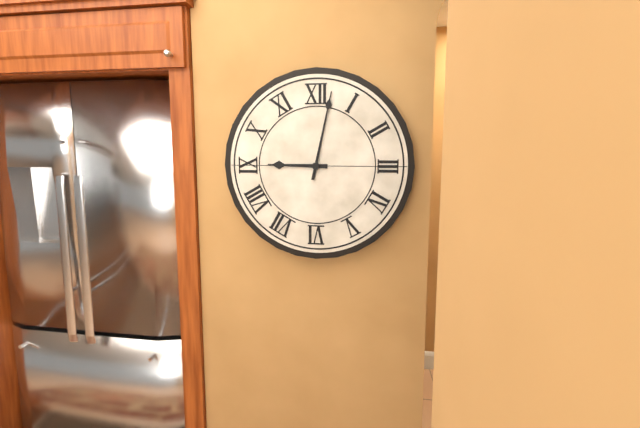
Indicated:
9.02
